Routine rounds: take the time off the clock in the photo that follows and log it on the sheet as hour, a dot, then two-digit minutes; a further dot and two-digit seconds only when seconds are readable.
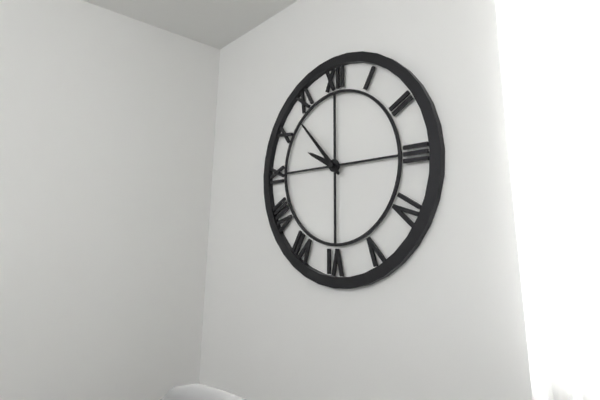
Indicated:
9.53
